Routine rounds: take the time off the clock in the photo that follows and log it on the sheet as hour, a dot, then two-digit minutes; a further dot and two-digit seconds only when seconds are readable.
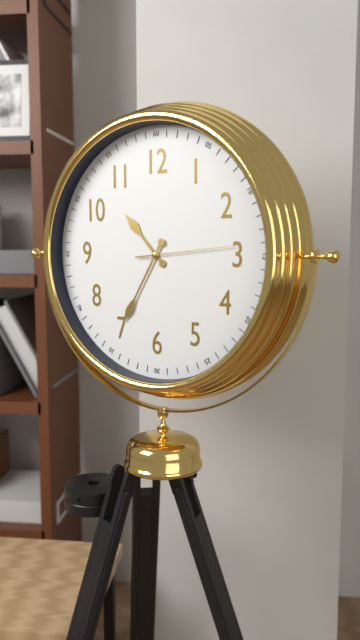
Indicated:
10.35.14
